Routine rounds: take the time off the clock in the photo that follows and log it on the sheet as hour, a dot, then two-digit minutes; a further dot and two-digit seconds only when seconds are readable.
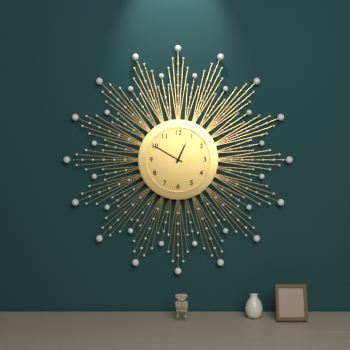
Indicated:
12.50
